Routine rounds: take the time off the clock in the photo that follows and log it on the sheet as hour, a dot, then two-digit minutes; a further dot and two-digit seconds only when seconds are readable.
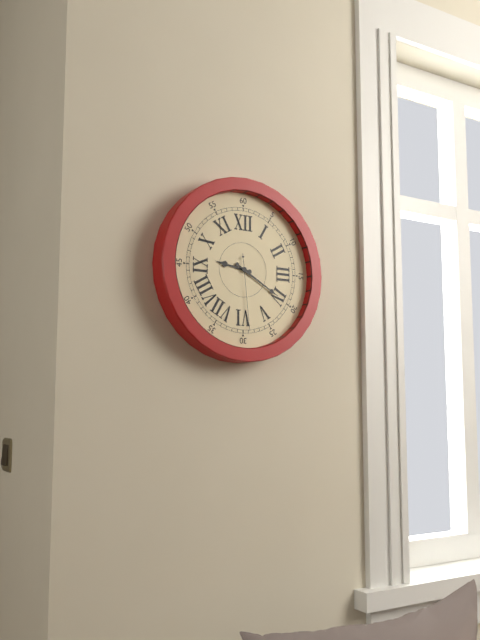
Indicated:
9.20.29
